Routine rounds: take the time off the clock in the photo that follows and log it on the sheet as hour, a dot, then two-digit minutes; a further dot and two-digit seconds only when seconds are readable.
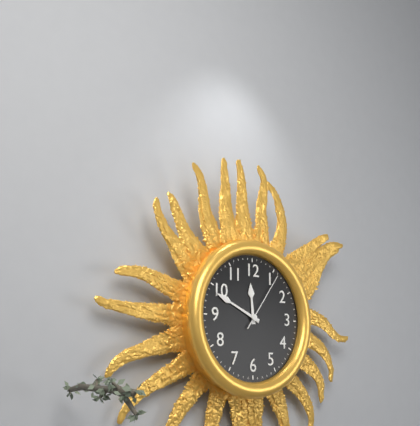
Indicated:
11.49.06
